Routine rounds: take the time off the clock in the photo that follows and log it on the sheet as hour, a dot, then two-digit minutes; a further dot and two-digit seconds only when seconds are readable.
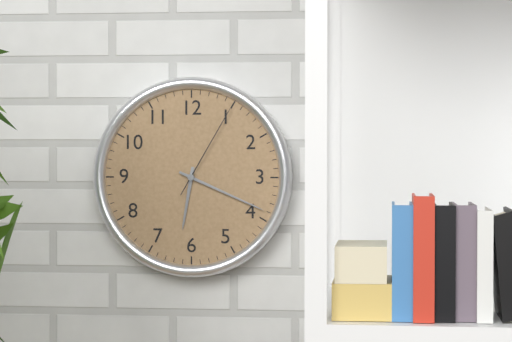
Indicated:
6.19.05
